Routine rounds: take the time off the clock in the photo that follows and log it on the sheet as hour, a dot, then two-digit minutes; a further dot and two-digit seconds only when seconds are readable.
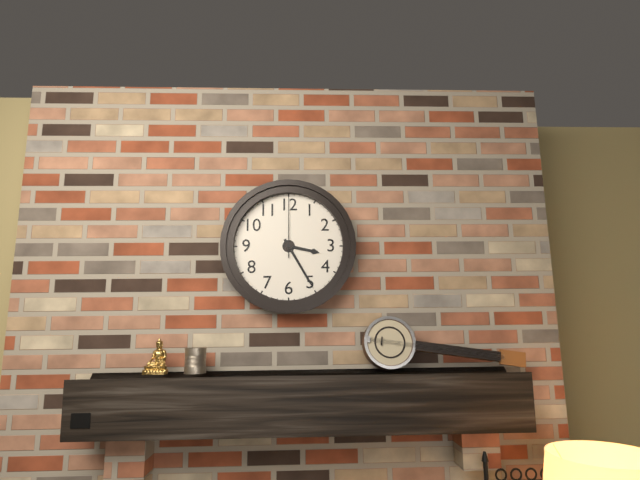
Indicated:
3.25.00
